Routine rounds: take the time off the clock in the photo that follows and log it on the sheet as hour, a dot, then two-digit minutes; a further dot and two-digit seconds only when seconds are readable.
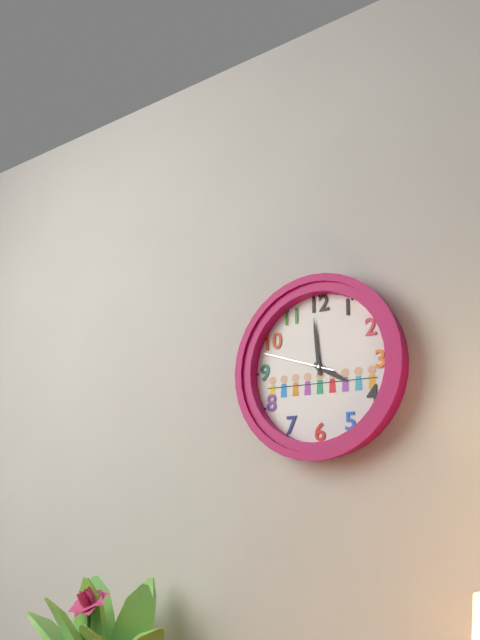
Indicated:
3.59.48
